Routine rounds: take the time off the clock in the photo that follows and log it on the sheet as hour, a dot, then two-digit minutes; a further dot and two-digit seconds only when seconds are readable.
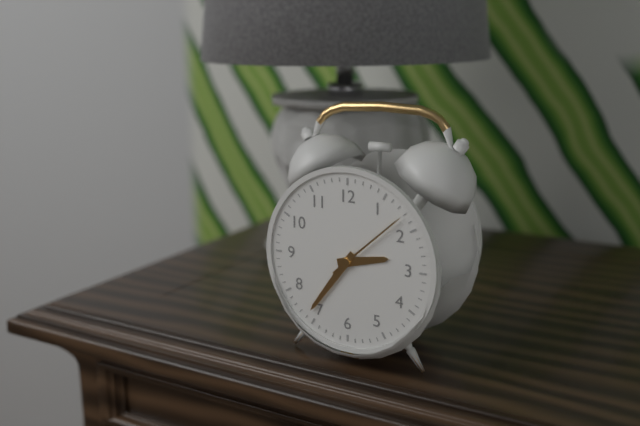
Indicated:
2.36.08
